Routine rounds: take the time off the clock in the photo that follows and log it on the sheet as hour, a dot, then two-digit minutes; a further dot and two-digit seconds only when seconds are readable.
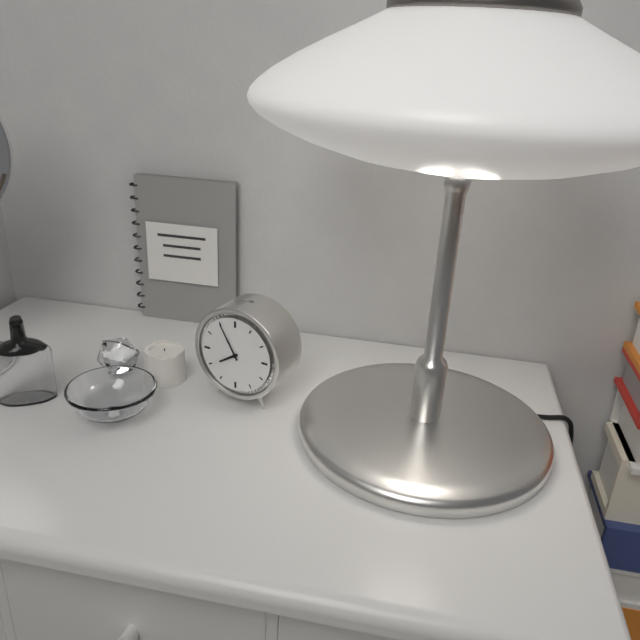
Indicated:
7.55
